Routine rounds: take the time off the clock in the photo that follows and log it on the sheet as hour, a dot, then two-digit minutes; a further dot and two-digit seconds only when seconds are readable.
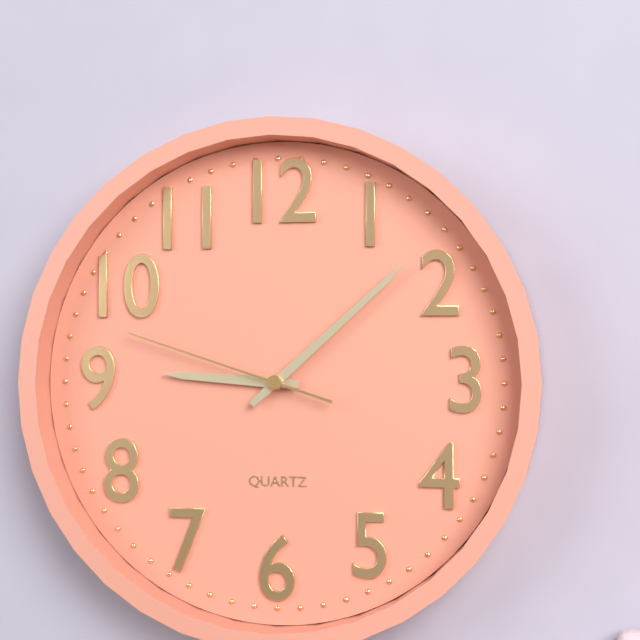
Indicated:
9.08.48
